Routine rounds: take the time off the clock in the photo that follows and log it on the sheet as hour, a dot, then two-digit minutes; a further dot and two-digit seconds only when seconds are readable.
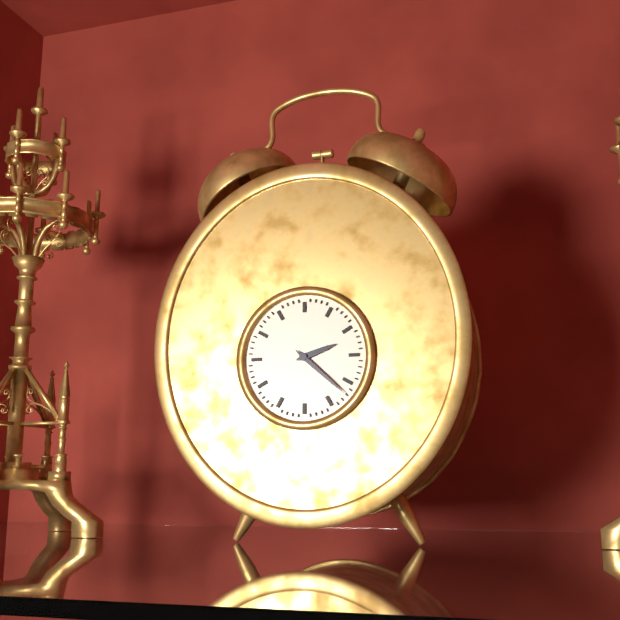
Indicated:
2.22
